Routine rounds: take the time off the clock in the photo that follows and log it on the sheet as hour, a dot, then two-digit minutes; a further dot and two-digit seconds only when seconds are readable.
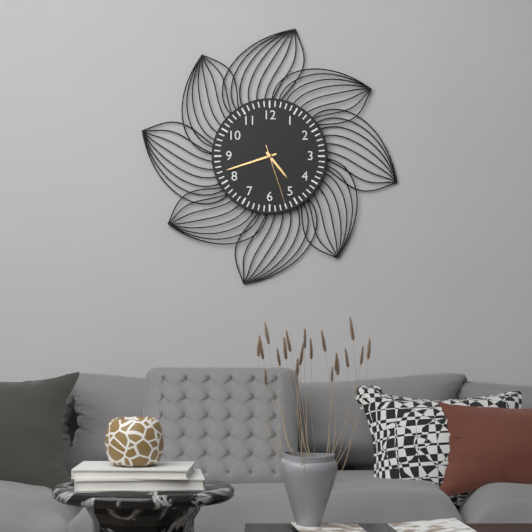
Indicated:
4.42.27
